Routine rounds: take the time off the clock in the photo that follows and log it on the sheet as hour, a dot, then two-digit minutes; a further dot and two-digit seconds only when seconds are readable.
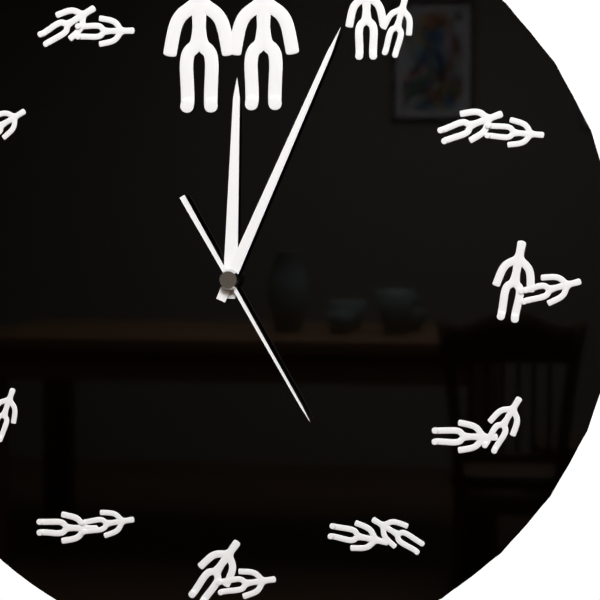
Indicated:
12.04.25
